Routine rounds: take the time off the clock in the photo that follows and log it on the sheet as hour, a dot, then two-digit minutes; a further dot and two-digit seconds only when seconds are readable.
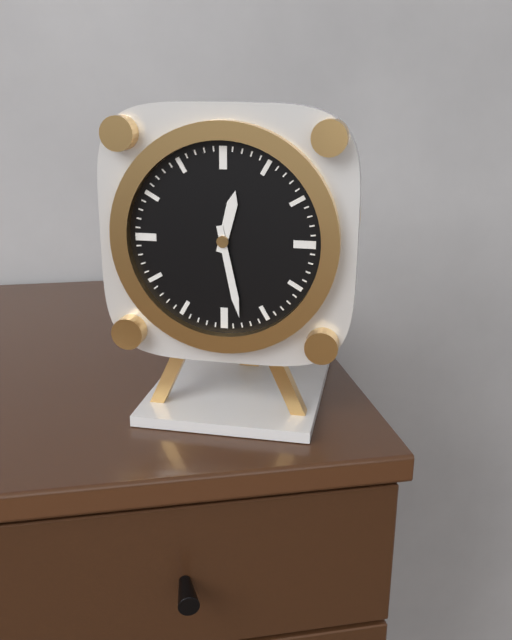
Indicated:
12.28
